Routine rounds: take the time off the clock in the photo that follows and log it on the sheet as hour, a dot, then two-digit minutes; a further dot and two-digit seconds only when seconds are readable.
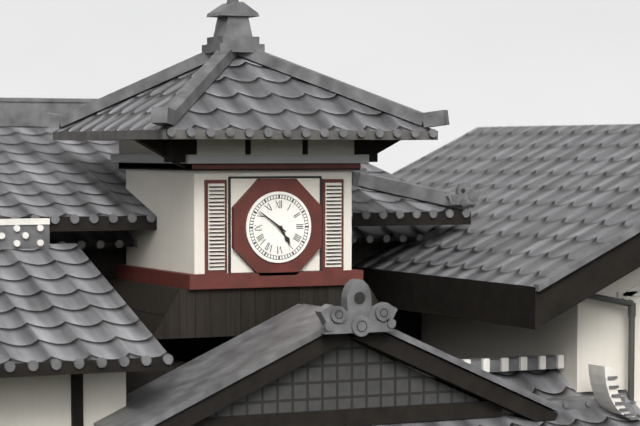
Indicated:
4.51
